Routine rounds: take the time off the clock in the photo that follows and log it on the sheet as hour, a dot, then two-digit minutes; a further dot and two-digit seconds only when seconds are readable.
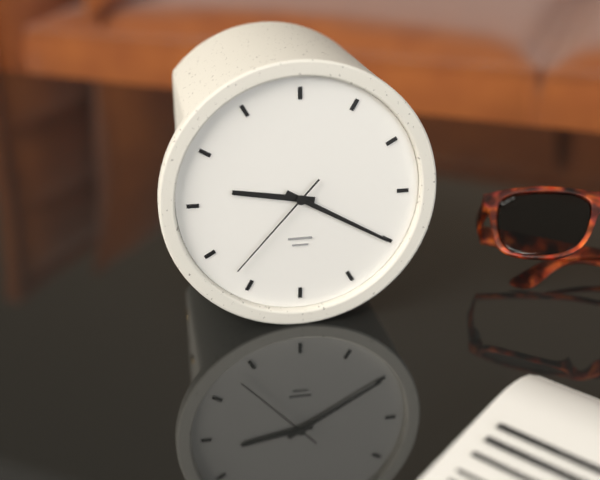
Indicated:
9.20.37
